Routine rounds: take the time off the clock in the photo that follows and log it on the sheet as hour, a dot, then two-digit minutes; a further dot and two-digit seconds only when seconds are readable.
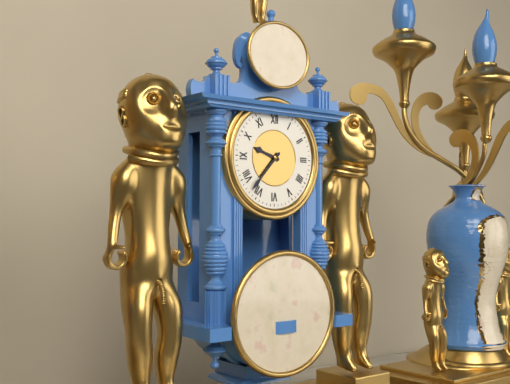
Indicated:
9.37
